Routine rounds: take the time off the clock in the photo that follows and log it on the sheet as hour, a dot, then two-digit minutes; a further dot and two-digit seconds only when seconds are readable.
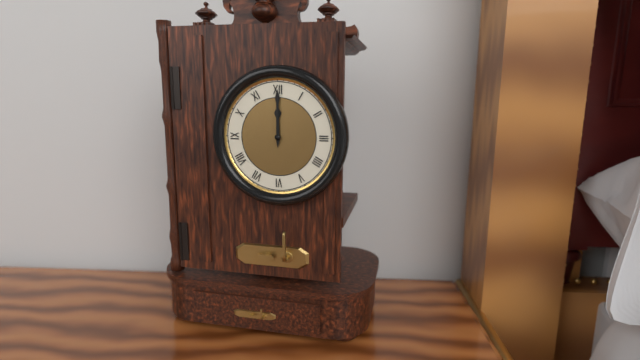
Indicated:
12.00
